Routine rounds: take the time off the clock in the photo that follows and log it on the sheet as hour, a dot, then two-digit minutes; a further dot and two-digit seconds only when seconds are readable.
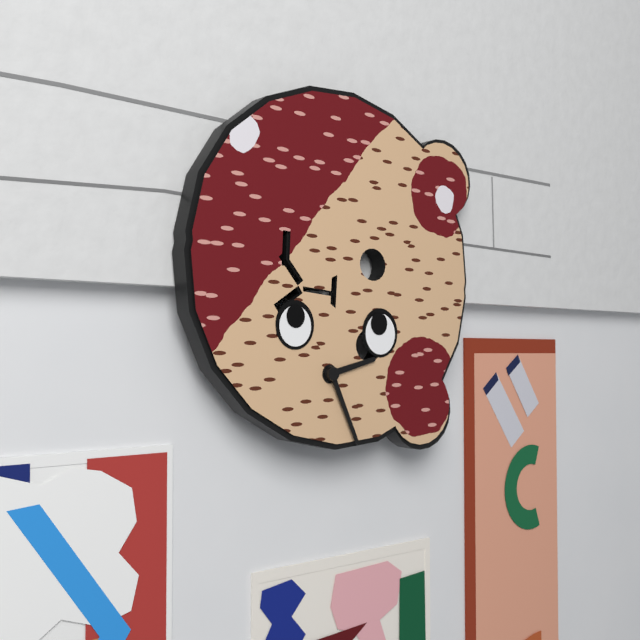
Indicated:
2.25
